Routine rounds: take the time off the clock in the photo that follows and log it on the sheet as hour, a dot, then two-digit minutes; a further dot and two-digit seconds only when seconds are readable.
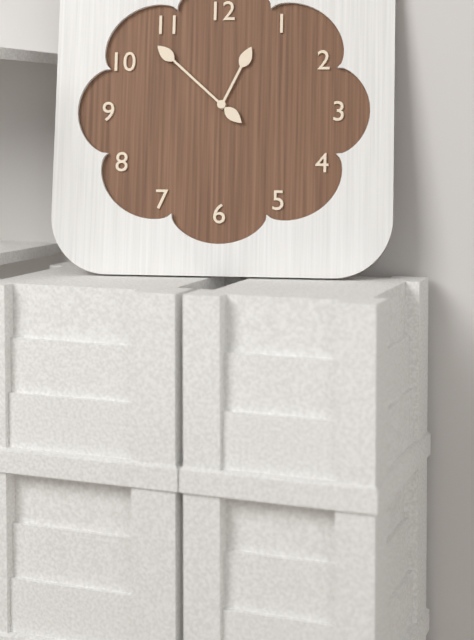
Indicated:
12.52
